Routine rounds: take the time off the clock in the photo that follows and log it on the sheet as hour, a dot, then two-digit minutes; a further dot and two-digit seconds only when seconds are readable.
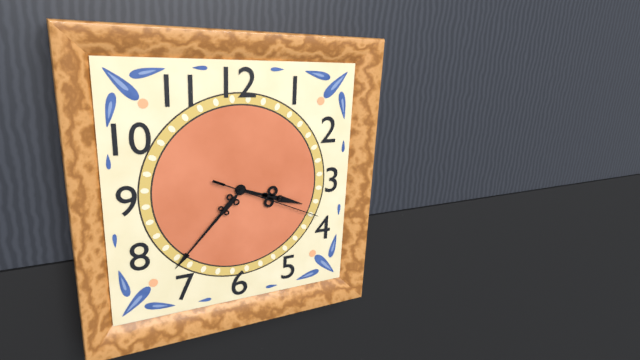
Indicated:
3.37.19
